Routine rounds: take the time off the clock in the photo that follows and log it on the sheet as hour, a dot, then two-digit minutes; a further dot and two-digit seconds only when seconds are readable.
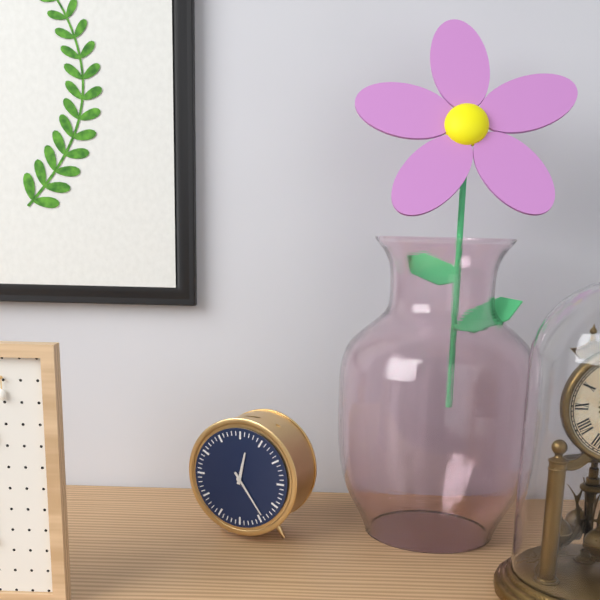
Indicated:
12.24
